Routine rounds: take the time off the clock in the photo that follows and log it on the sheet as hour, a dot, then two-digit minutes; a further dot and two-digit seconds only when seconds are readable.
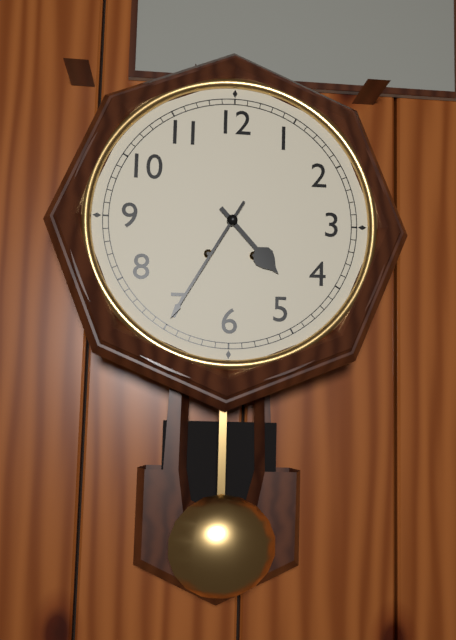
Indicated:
4.35
